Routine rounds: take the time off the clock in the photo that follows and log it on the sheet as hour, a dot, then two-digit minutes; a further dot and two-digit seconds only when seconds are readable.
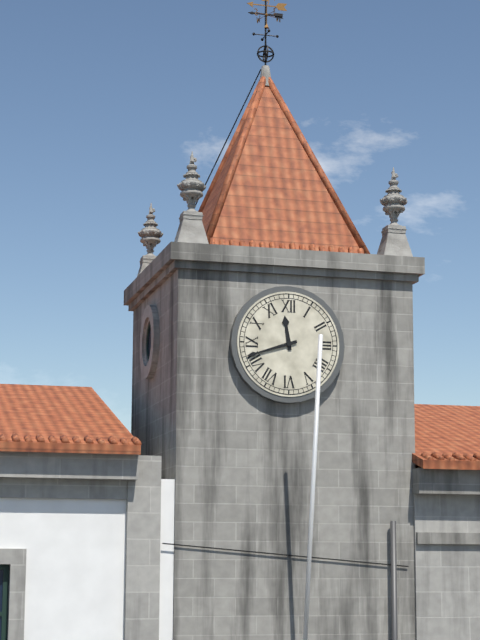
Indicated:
11.42
